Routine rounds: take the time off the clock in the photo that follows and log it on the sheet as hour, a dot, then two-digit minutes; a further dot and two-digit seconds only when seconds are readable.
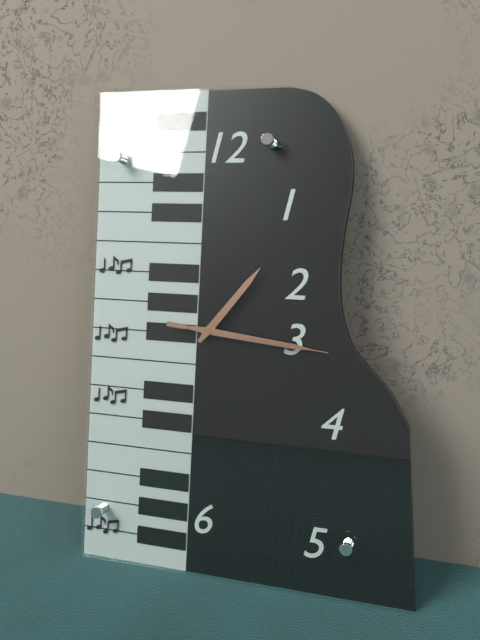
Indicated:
1.16.16
